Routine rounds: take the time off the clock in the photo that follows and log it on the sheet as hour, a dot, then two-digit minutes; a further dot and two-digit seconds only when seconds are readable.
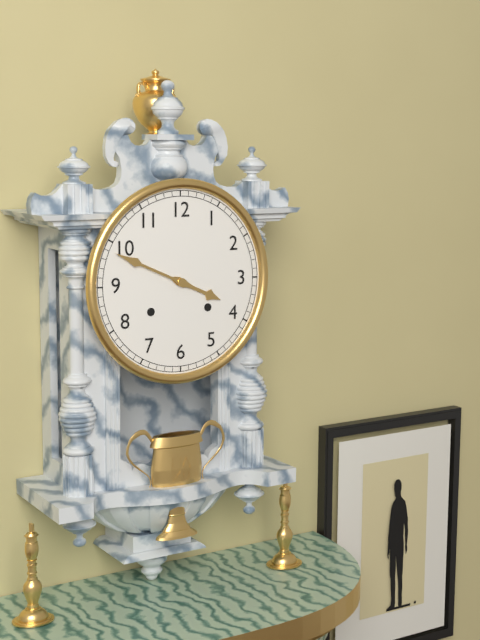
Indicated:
3.49
